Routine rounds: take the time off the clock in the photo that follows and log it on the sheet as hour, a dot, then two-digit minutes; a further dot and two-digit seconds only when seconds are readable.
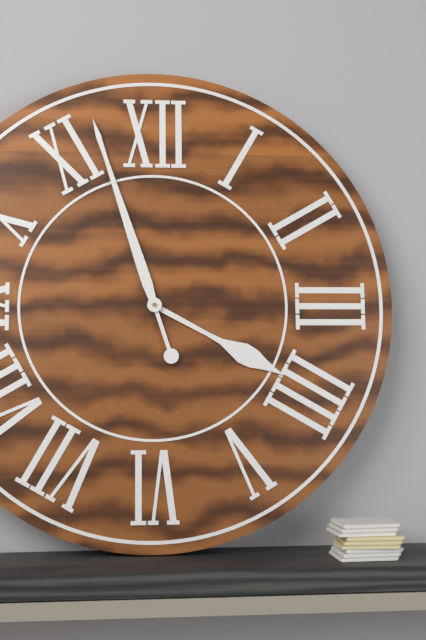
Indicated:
3.57
